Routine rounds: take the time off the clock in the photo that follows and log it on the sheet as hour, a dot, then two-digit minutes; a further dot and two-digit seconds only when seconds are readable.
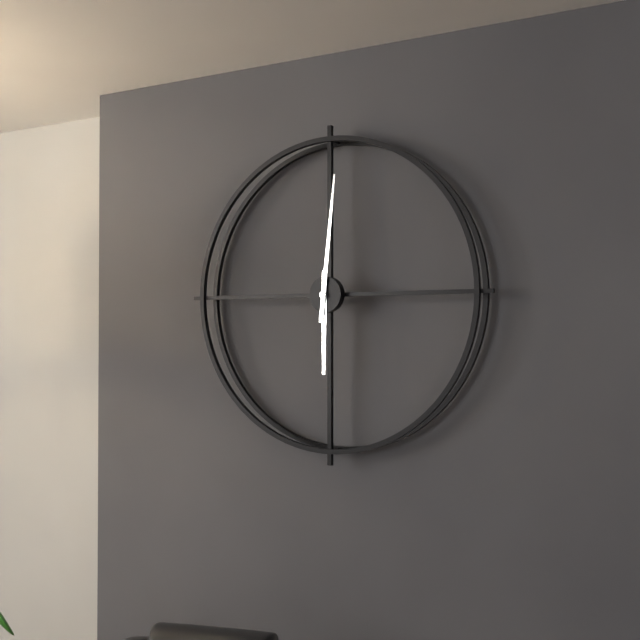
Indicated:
6.01
